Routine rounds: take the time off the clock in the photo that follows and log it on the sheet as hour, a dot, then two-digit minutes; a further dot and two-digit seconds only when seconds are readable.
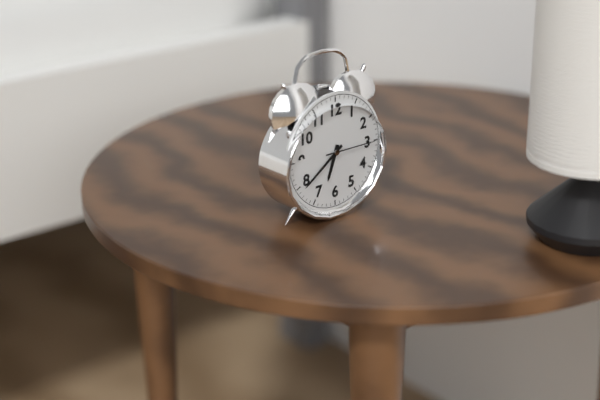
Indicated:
6.39.15
